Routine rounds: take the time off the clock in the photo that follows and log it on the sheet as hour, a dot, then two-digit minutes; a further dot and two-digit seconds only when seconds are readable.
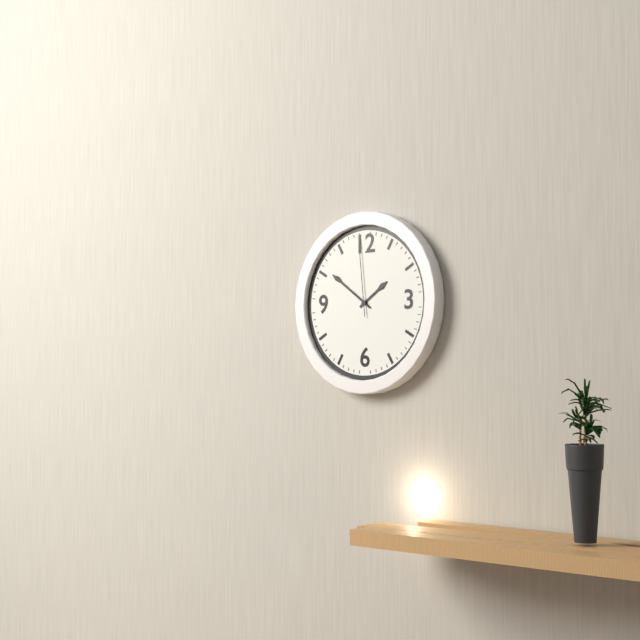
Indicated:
1.51.59
